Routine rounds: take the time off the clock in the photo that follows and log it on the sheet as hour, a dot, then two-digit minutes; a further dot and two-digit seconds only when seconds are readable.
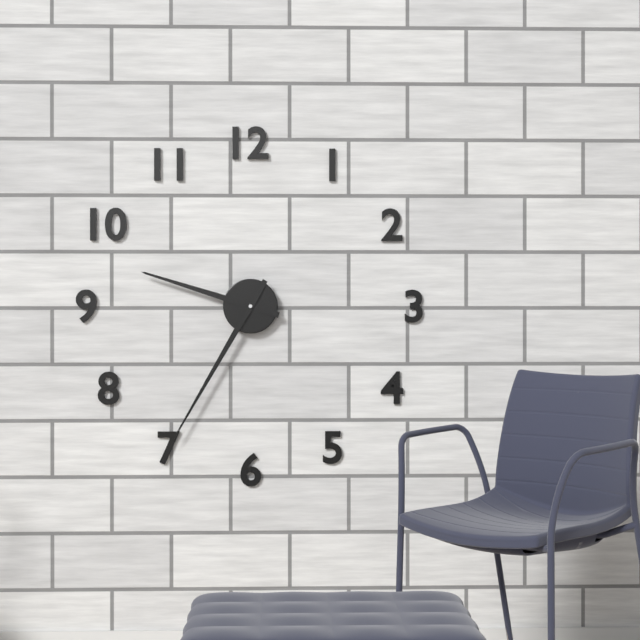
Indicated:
9.35
